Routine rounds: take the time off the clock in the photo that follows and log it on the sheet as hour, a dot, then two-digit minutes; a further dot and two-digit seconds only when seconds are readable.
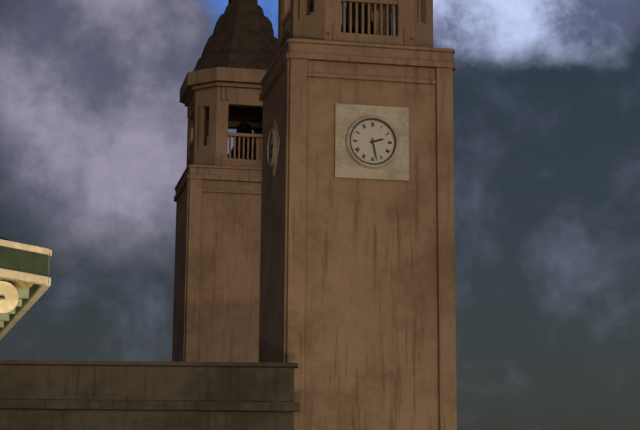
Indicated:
2.28
